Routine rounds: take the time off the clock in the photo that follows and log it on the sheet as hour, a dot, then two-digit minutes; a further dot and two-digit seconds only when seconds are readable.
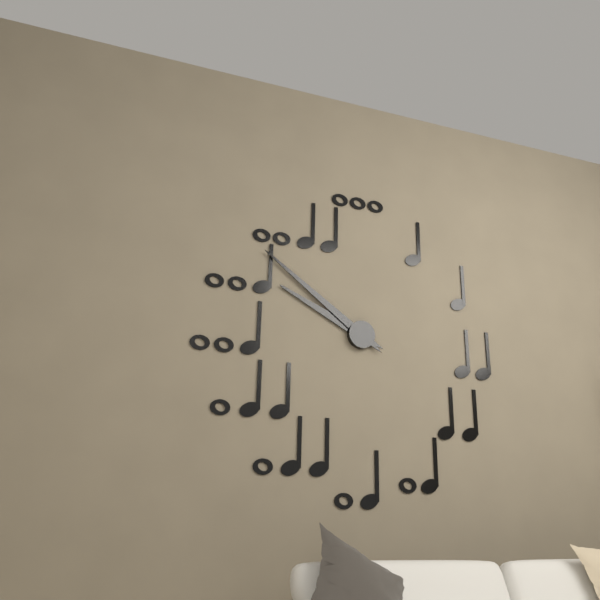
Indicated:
9.51
